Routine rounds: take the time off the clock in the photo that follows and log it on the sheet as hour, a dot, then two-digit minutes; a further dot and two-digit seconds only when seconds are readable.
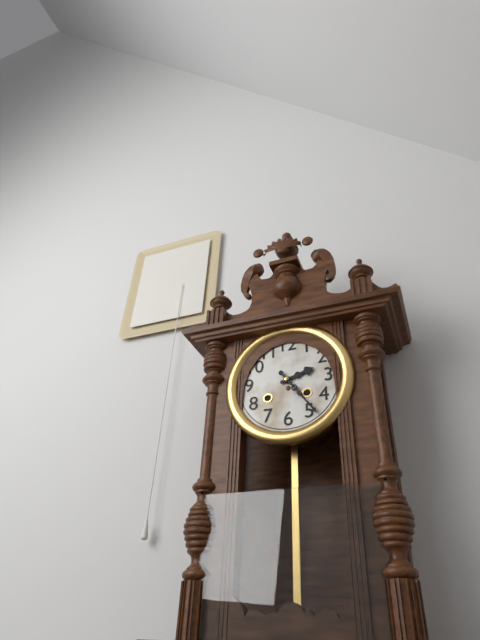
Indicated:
2.24
